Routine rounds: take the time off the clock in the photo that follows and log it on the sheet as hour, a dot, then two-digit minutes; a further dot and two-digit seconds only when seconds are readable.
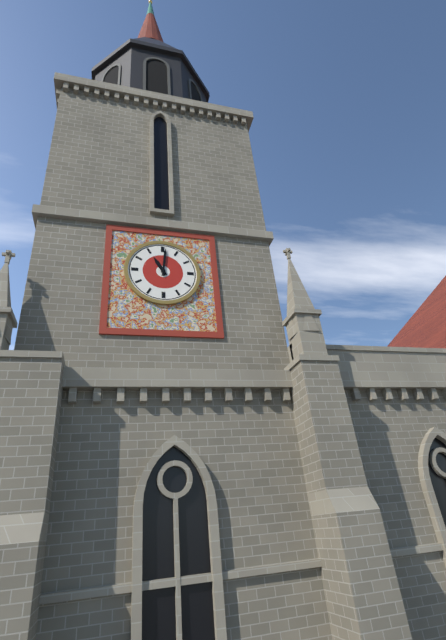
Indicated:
11.01
